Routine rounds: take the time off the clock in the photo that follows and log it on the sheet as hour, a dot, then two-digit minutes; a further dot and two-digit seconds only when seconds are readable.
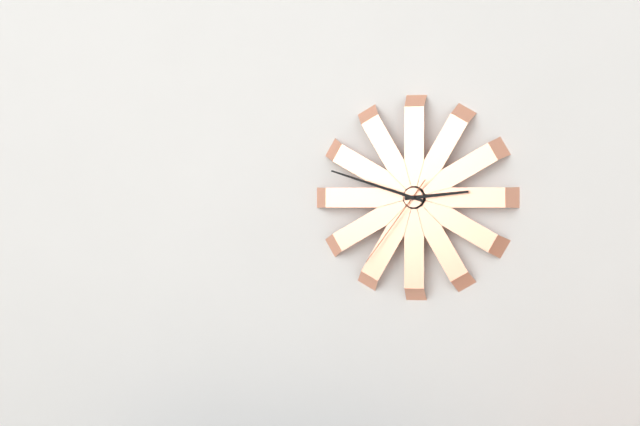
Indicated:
2.48.36
